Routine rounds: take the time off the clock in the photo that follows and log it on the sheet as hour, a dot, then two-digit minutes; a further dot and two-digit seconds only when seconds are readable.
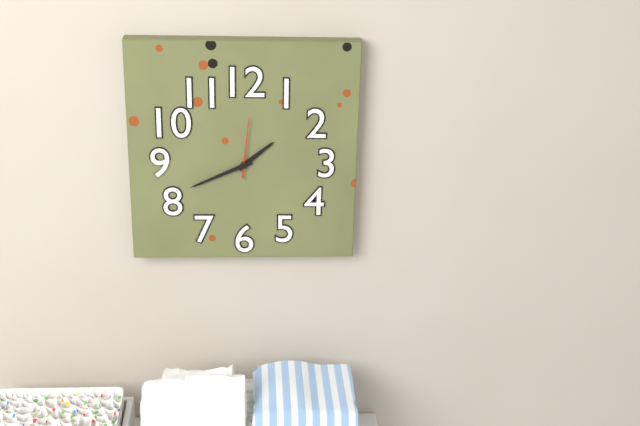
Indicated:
1.41.01
